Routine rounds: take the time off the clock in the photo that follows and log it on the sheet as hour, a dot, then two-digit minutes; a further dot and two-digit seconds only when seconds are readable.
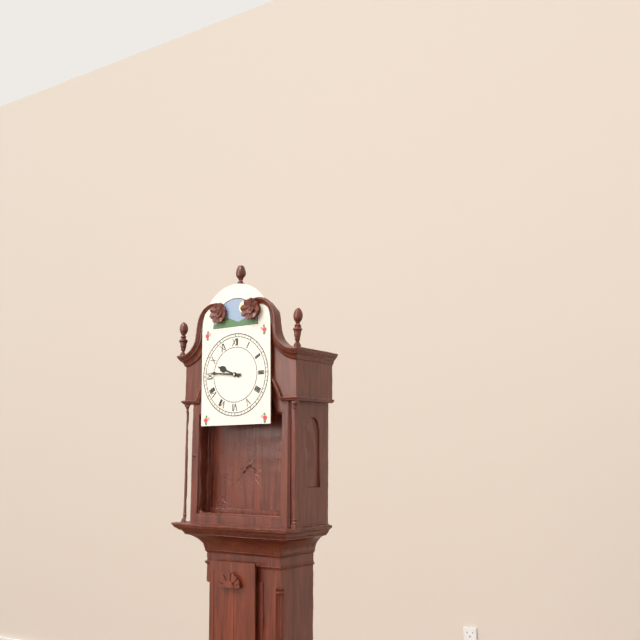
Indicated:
9.46
